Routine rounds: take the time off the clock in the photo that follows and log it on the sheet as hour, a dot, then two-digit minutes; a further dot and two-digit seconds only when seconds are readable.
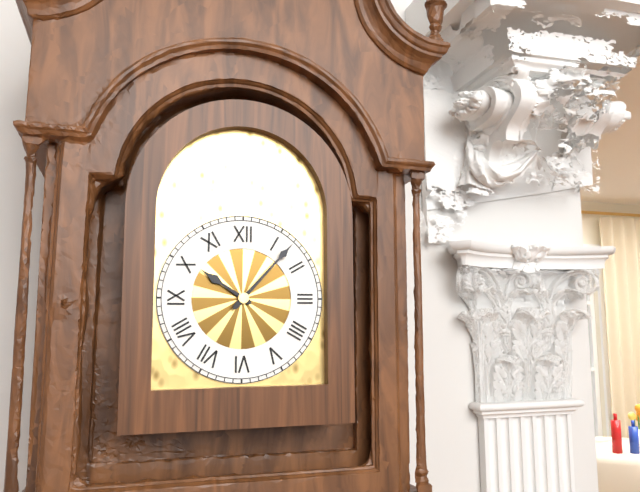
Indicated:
10.07
